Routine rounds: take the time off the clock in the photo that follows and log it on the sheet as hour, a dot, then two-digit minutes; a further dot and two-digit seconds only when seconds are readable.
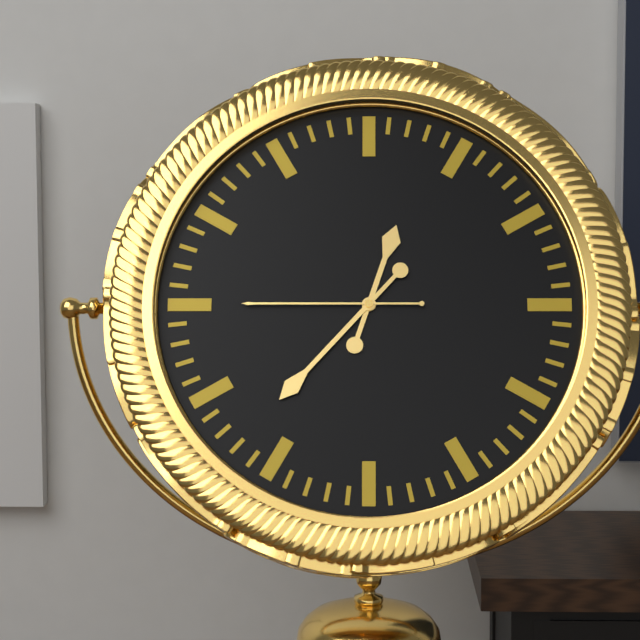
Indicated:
12.37.45
